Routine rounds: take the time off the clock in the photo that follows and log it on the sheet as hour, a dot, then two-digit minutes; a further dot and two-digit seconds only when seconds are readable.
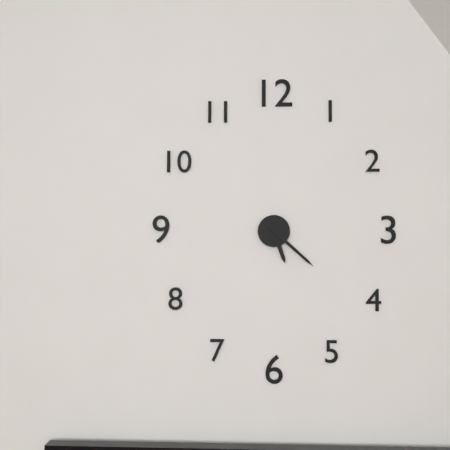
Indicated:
5.22
